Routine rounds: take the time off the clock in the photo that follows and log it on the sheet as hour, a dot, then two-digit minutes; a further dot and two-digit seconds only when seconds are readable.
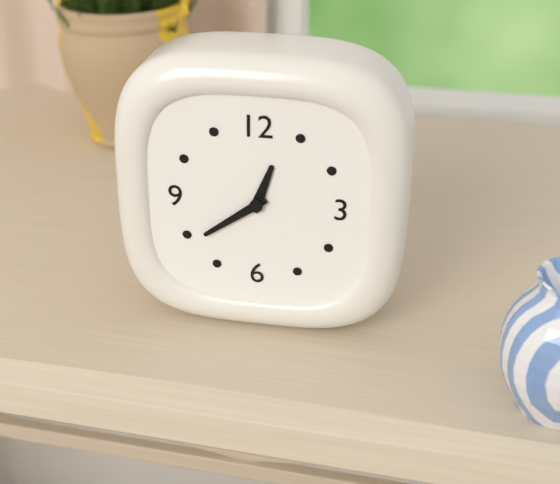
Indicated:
12.39
